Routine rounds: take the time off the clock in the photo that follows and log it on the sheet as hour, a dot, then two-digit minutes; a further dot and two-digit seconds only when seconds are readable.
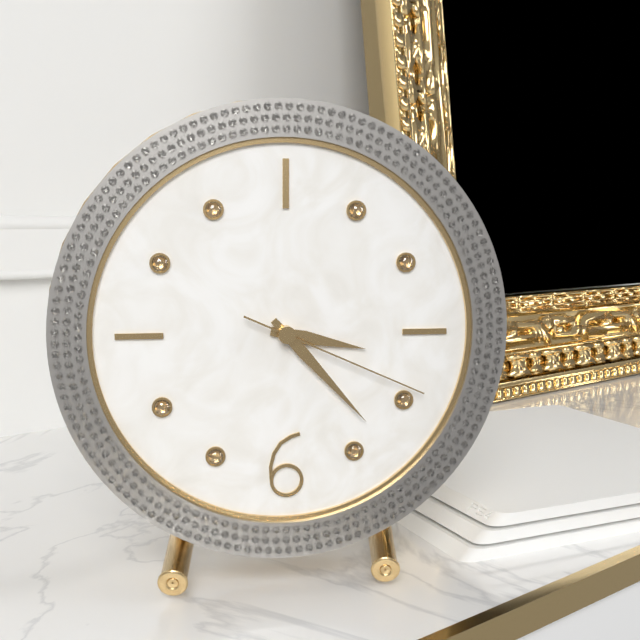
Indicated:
3.23.19
